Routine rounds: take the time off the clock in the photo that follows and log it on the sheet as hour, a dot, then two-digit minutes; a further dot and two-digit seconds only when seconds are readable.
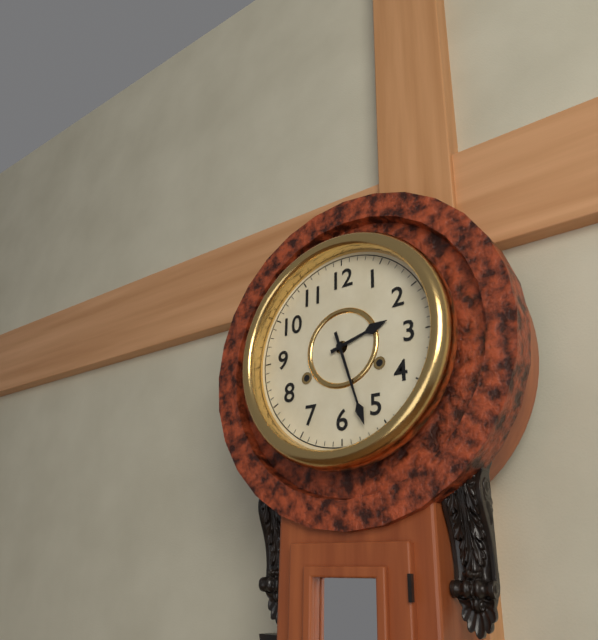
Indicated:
2.27
